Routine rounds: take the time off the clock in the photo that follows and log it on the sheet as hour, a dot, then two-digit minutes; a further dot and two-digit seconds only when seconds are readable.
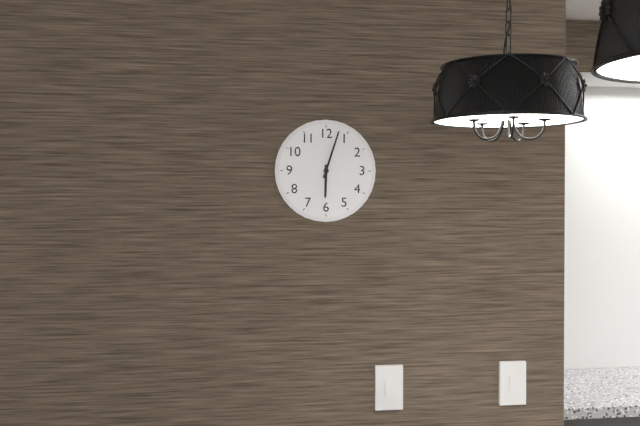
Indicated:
6.03
